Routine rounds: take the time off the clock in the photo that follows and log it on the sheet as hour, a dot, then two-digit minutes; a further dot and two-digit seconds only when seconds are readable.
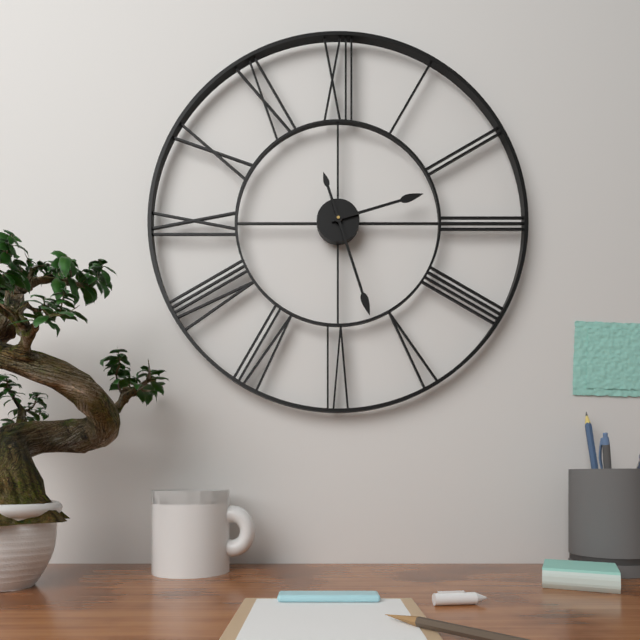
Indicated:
2.27
